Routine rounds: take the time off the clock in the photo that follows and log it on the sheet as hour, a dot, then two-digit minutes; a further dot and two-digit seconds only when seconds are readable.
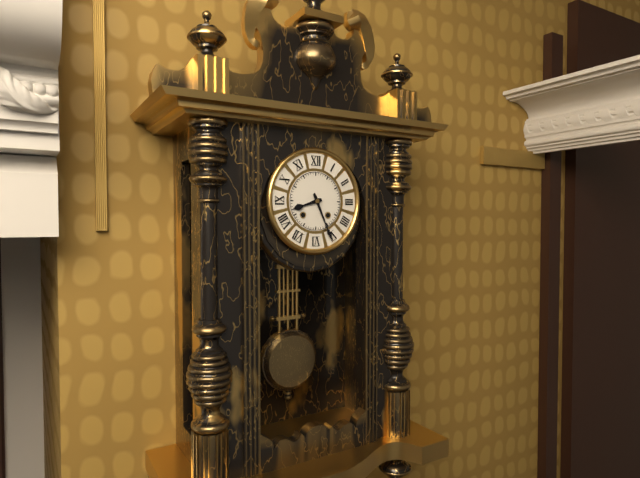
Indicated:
8.26
